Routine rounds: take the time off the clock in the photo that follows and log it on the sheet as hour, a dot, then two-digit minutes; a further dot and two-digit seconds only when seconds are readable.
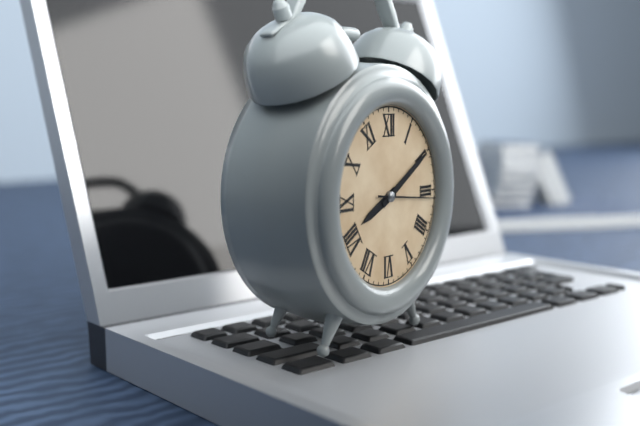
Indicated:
8.10.16
